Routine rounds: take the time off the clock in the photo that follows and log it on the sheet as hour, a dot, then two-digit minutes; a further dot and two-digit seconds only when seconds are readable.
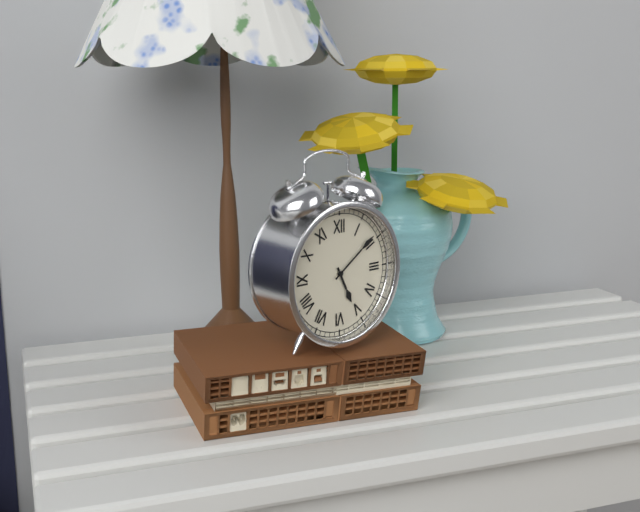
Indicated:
5.09
